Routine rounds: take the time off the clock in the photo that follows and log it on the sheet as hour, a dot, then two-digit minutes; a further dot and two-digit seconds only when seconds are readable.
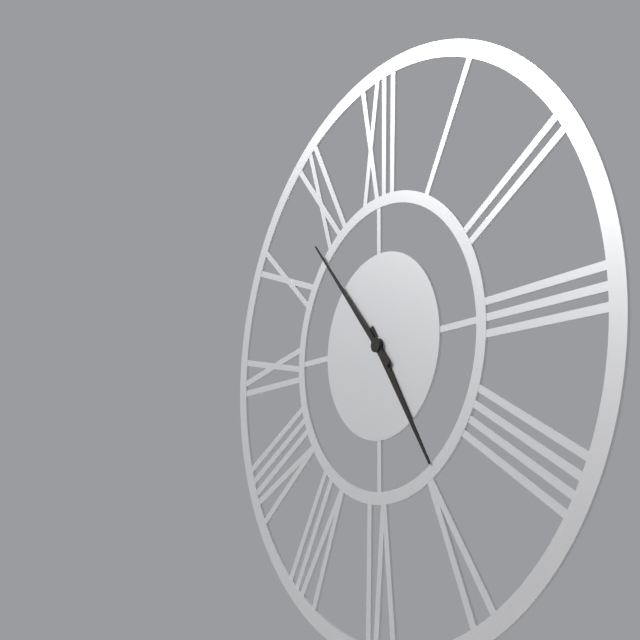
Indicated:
4.53
